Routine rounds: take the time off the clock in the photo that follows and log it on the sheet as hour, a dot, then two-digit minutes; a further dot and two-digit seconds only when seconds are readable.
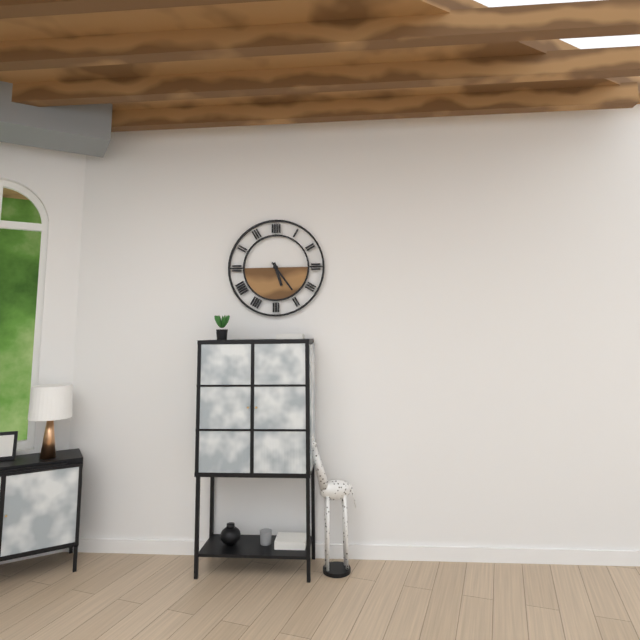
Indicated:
5.24
